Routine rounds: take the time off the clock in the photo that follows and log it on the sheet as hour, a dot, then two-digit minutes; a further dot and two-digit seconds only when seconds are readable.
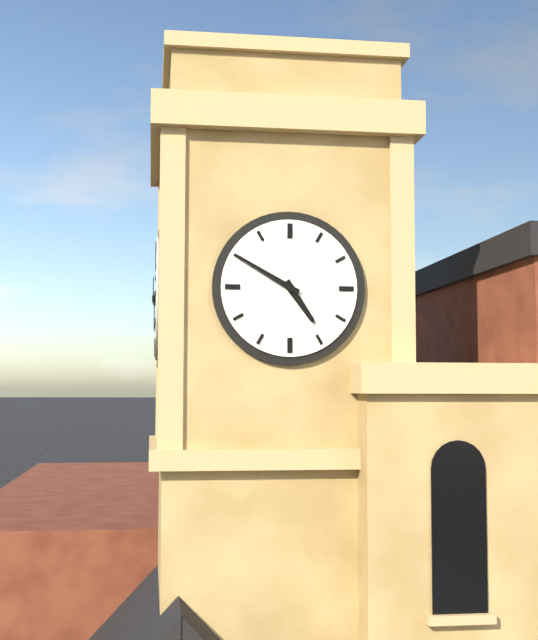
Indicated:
4.50
